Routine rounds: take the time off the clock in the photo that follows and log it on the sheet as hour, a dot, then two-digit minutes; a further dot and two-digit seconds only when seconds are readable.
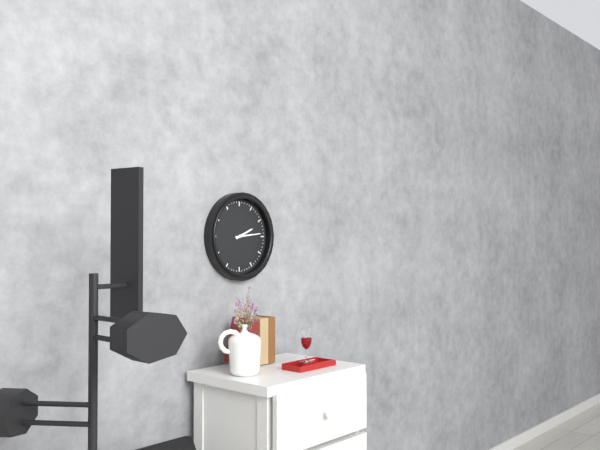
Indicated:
2.14
